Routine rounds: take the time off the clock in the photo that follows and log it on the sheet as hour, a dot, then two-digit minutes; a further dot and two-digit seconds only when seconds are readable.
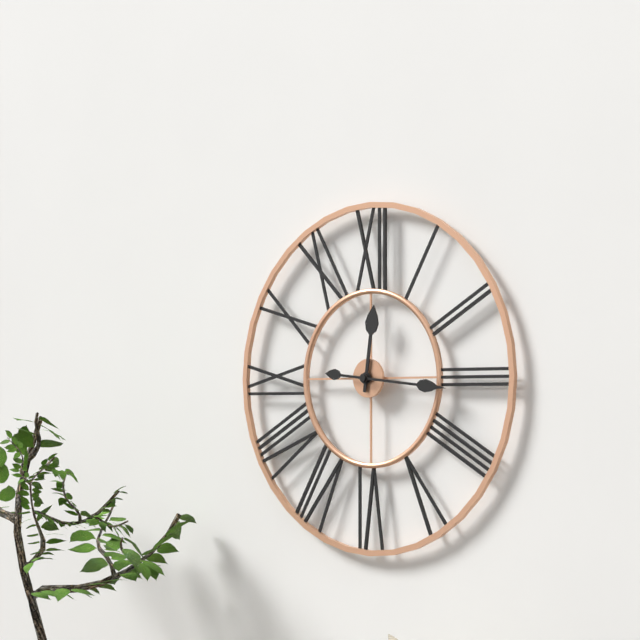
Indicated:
12.16
